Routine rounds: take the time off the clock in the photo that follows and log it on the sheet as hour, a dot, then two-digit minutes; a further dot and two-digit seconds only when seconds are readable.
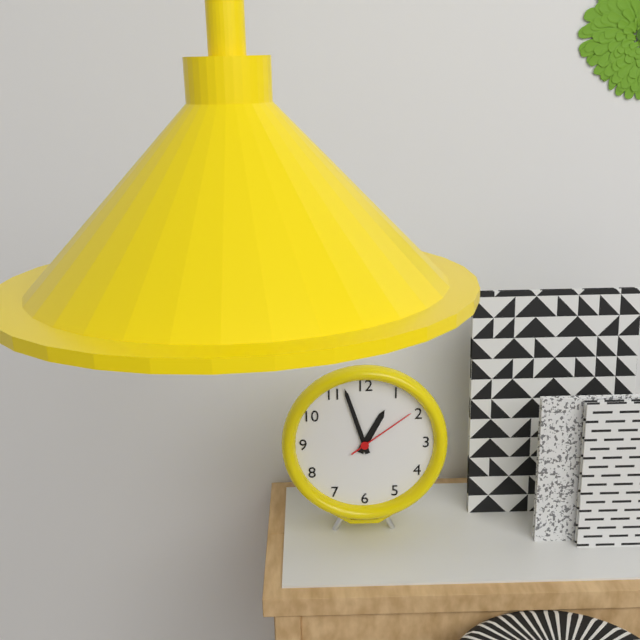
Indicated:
12.57.09
